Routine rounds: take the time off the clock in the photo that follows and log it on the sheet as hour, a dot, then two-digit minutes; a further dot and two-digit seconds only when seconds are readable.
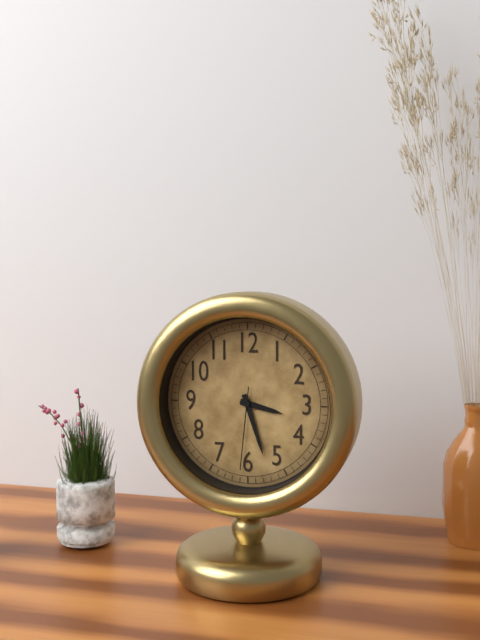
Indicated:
3.27.31
